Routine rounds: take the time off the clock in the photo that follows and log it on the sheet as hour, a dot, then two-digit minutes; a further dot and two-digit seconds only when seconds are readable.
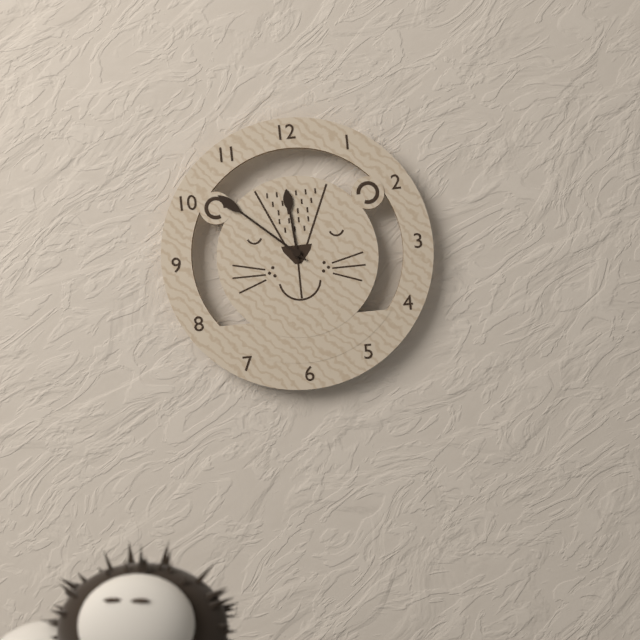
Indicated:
11.52
